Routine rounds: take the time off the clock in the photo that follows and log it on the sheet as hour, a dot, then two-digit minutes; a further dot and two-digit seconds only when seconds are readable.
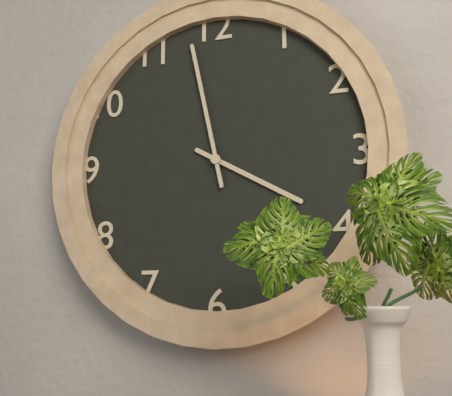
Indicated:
3.58
